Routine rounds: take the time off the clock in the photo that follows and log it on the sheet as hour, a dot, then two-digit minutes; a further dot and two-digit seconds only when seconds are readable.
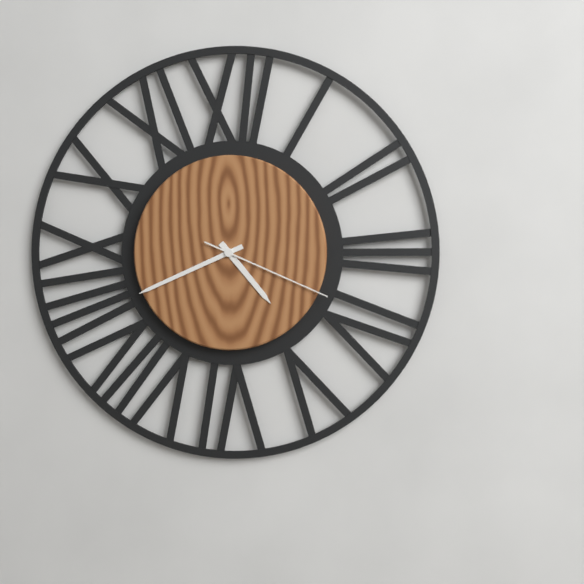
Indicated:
4.41.19
